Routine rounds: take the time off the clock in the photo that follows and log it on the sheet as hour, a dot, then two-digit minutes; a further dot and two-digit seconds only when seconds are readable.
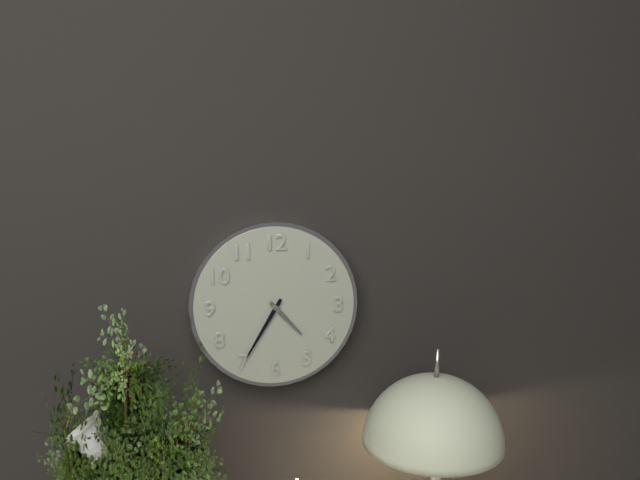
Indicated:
4.35
